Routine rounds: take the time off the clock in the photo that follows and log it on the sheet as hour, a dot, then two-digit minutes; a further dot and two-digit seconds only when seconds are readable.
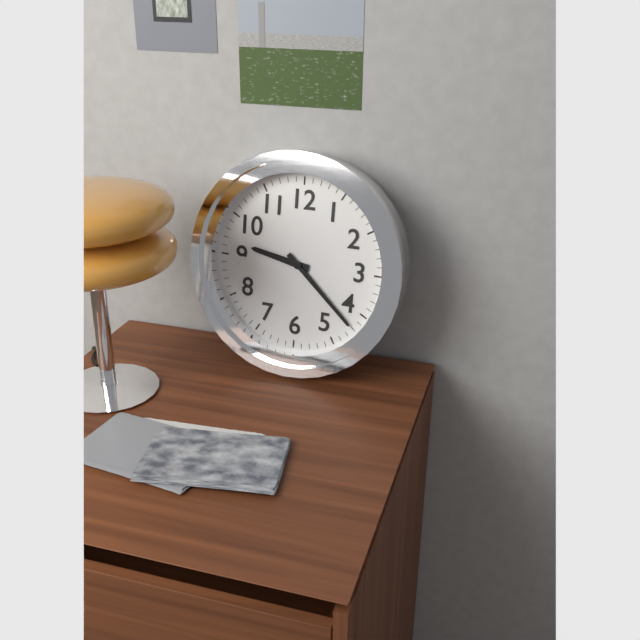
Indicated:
9.22
